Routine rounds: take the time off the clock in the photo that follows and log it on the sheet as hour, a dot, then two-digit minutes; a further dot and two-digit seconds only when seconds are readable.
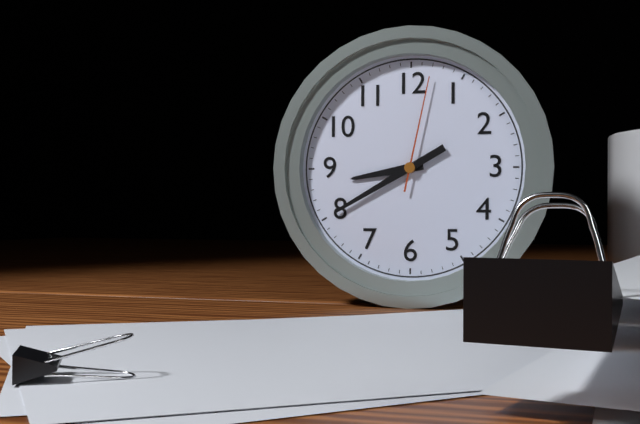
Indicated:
8.40.02
